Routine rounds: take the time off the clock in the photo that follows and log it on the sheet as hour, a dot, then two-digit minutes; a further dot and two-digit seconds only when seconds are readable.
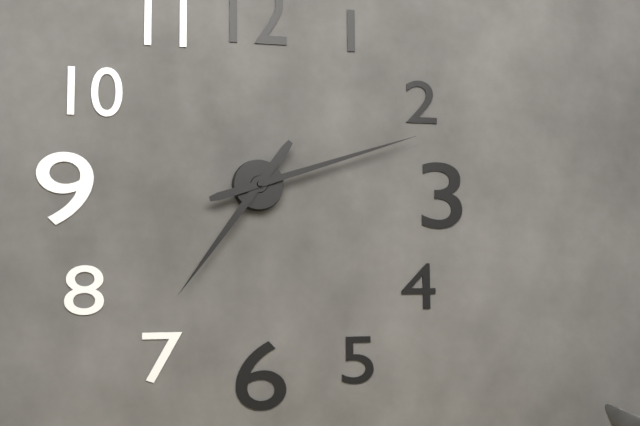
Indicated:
7.12
